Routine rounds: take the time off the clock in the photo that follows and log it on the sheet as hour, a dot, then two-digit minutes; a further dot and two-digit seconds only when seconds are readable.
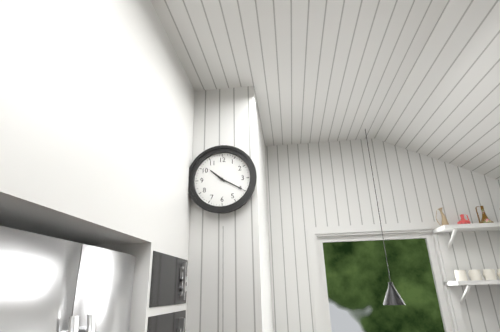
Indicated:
10.20
